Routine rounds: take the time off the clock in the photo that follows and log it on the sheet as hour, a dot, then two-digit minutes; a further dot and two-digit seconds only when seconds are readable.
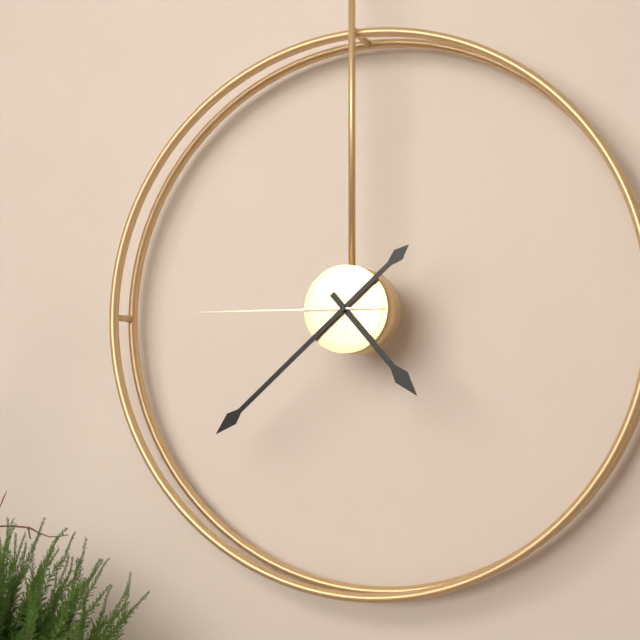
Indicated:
4.38.45
